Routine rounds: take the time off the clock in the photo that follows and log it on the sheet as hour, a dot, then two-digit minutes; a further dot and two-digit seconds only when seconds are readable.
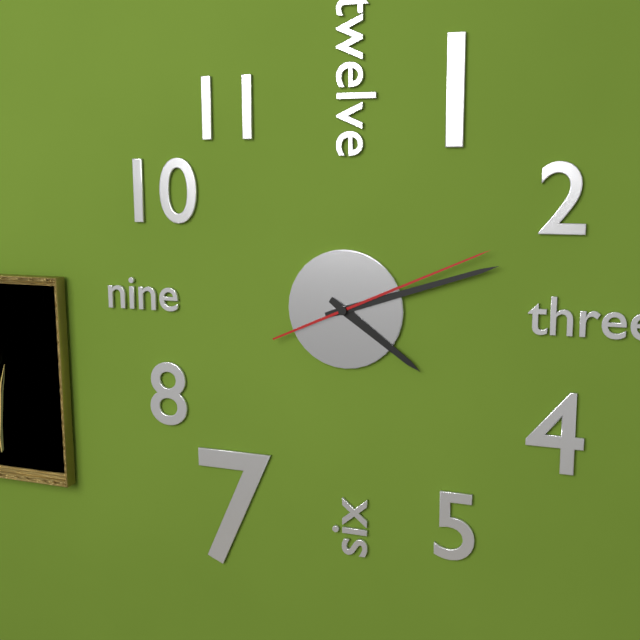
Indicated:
4.12.11
